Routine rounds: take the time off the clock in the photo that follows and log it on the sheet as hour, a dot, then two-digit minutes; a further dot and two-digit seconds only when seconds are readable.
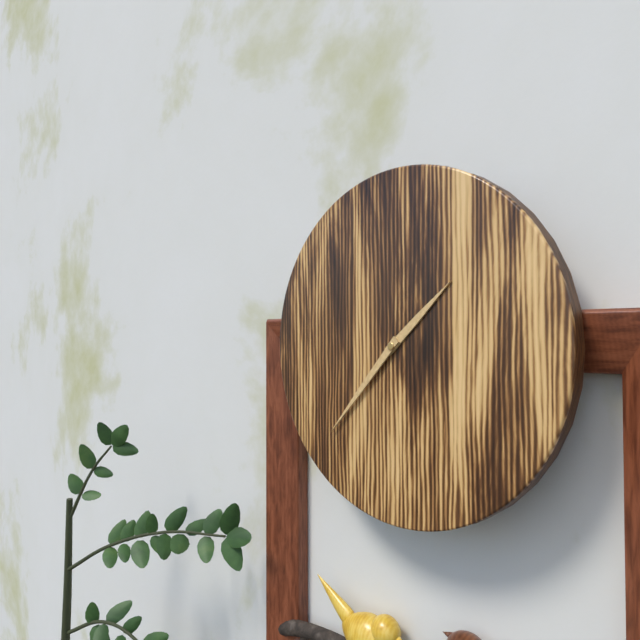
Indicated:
1.37
